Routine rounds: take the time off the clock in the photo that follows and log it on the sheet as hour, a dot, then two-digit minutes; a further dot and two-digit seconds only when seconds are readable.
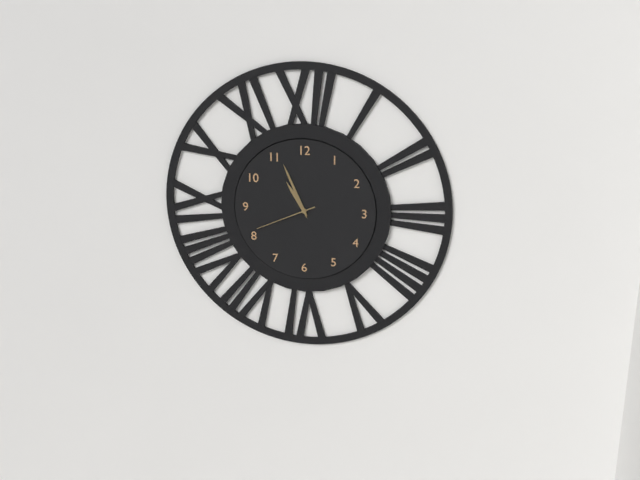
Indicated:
10.56.41
